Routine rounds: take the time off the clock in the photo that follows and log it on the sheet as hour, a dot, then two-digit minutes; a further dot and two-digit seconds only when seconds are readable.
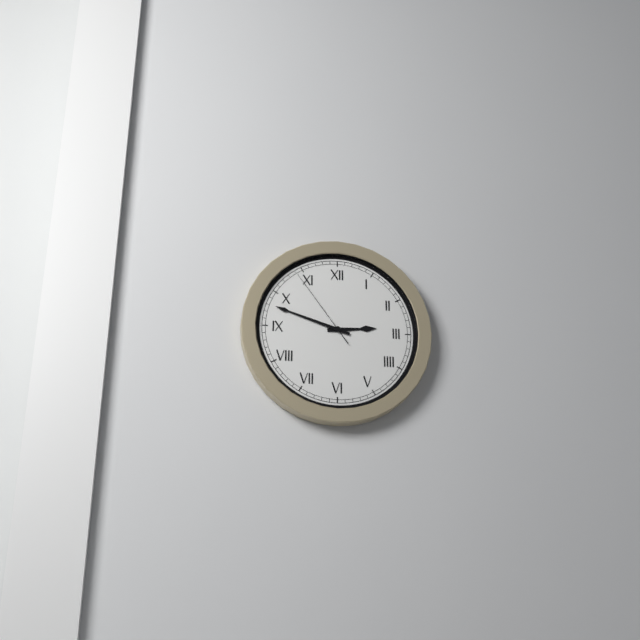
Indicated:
2.48.54
